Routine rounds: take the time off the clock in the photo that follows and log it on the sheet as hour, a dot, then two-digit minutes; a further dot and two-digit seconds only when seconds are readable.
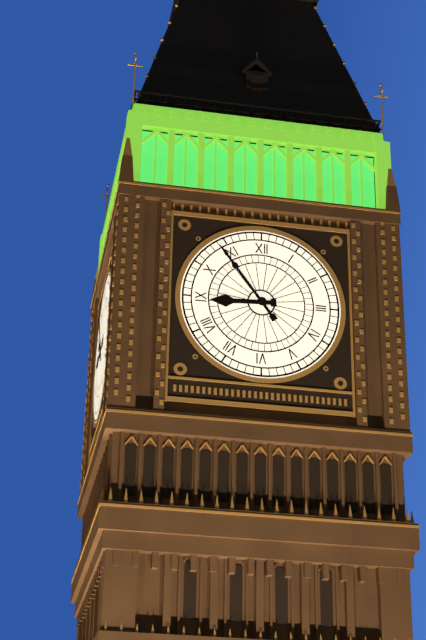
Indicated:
8.54
